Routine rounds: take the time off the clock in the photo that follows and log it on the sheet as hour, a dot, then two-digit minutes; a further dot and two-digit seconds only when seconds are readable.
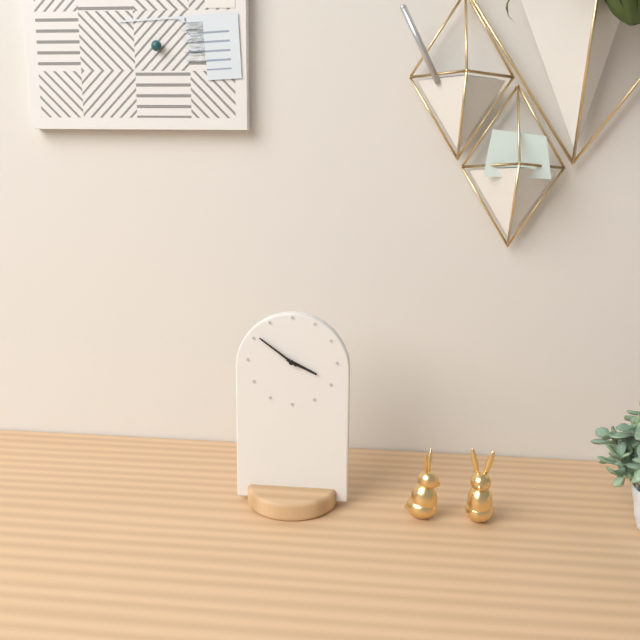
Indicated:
3.51
